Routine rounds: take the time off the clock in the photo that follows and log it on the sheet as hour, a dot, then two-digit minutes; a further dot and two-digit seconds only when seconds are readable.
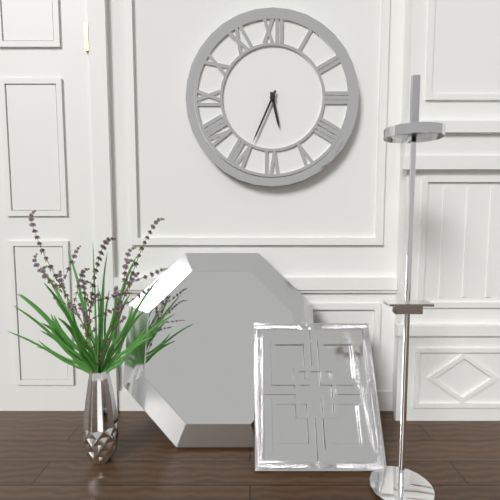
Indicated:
5.34
